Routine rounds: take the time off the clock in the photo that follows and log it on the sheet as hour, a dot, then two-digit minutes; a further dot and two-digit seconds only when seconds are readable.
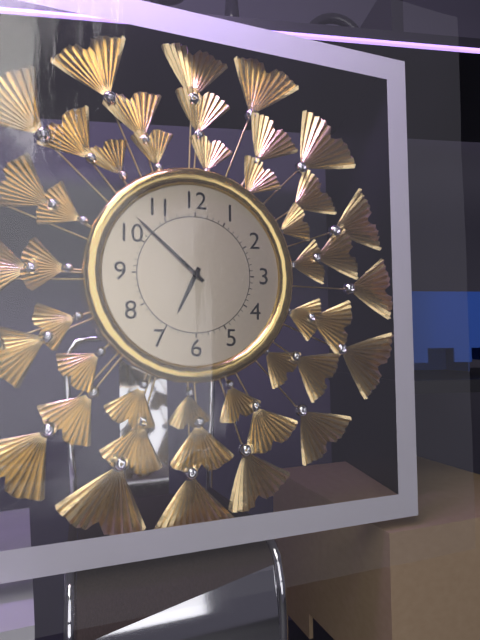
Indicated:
6.52
